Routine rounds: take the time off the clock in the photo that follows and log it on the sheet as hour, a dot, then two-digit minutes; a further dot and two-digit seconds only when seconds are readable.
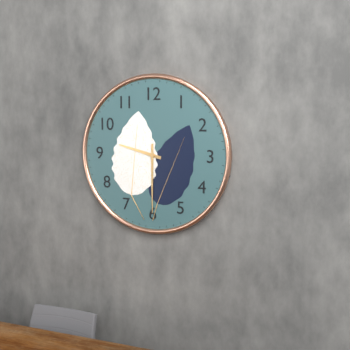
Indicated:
9.30
